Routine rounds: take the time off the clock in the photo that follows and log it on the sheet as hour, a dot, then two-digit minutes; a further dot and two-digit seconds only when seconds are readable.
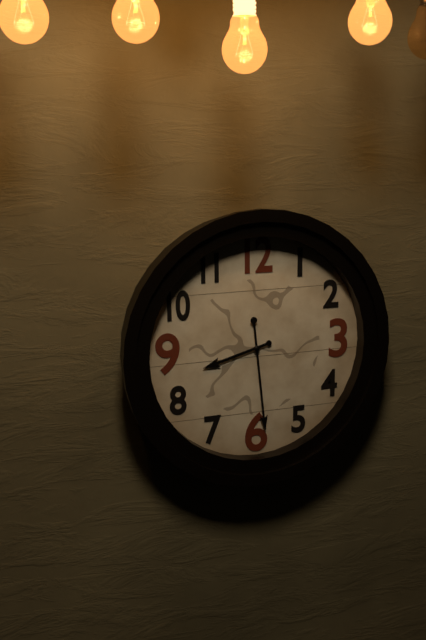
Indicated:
8.29
